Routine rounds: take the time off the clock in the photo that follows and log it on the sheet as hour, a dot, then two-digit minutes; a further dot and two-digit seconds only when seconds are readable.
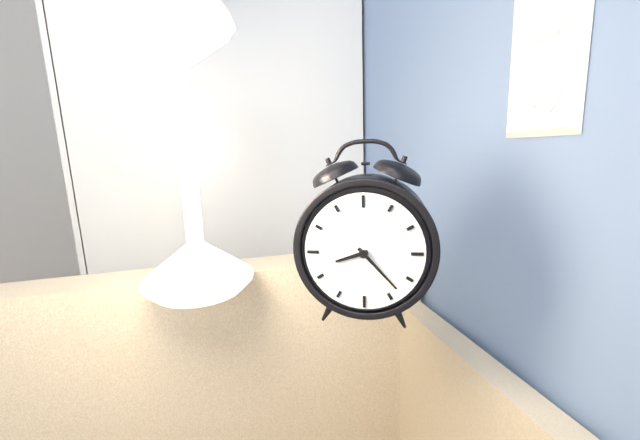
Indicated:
8.23
